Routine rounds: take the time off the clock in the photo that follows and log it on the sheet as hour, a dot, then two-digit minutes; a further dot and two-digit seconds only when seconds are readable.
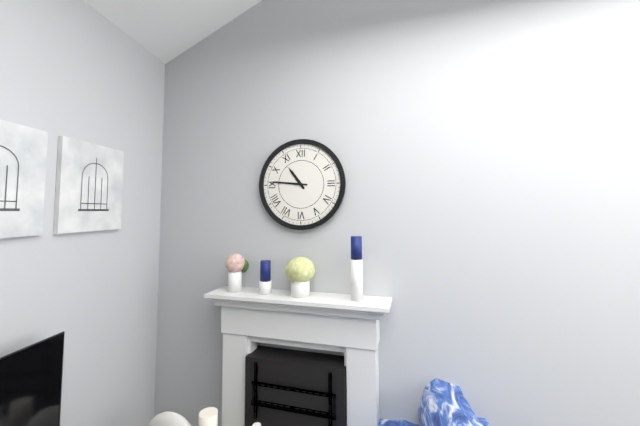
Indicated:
10.46
